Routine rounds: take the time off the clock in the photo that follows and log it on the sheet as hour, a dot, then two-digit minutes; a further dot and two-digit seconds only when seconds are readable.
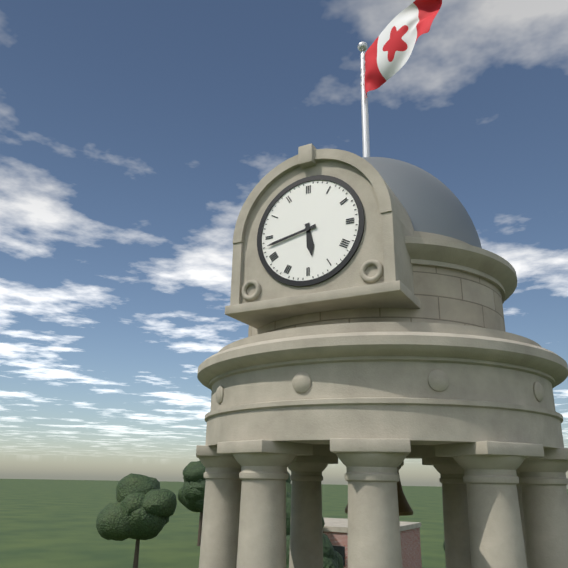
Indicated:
5.43
